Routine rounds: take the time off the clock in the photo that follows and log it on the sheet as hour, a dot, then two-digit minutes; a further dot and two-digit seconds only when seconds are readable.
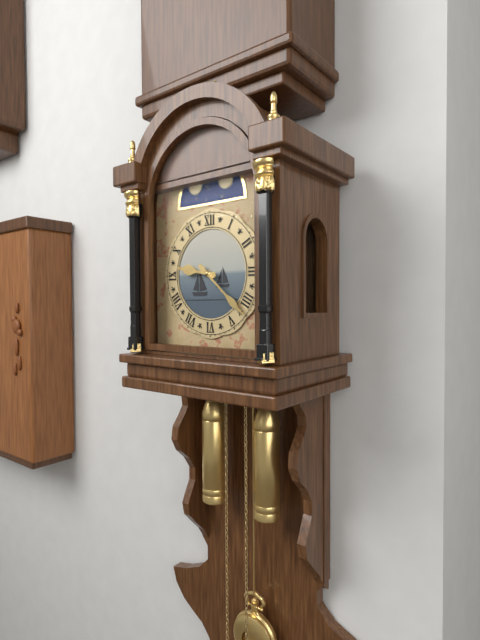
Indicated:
9.22
